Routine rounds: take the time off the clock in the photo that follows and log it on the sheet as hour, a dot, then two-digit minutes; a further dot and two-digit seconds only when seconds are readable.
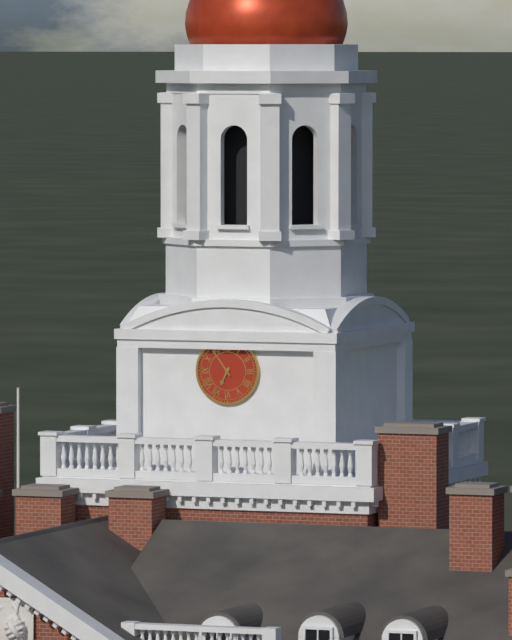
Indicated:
6.54
